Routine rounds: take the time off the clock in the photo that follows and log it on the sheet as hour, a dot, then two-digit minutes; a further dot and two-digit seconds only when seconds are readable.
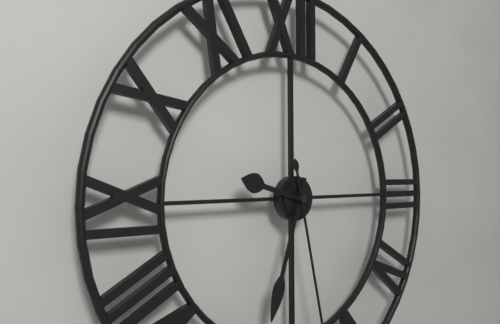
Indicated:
9.33
